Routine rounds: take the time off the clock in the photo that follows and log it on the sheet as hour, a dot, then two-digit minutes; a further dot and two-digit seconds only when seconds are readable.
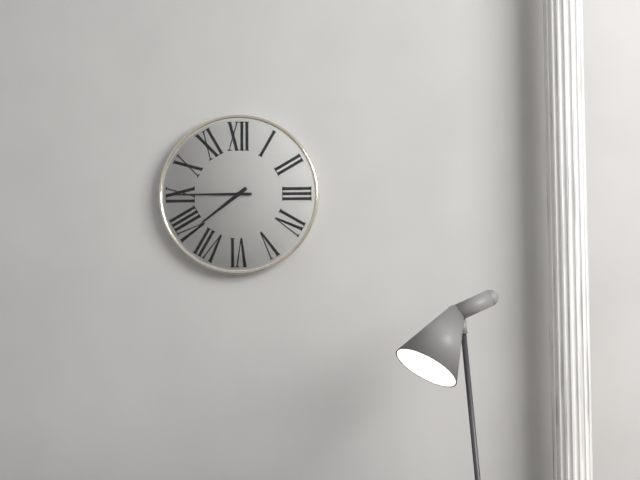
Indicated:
7.45
